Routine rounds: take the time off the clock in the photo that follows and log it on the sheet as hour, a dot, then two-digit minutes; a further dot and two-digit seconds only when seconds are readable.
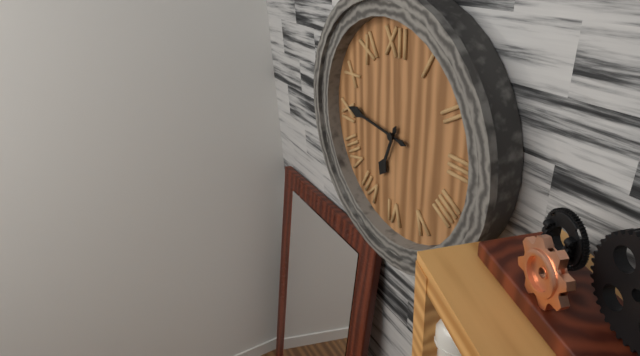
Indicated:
6.46
